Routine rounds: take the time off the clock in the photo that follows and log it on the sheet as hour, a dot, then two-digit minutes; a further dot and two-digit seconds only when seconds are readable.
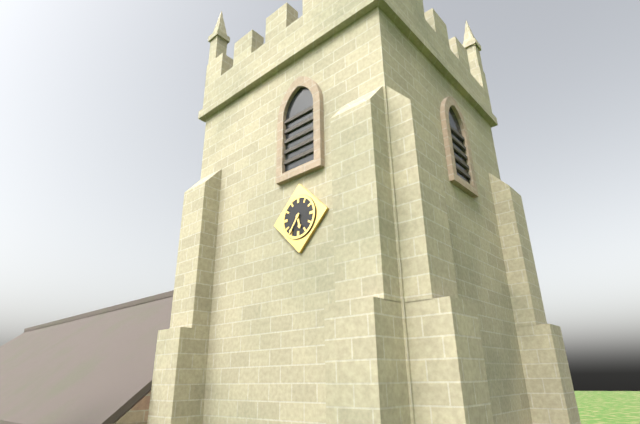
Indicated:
5.36
